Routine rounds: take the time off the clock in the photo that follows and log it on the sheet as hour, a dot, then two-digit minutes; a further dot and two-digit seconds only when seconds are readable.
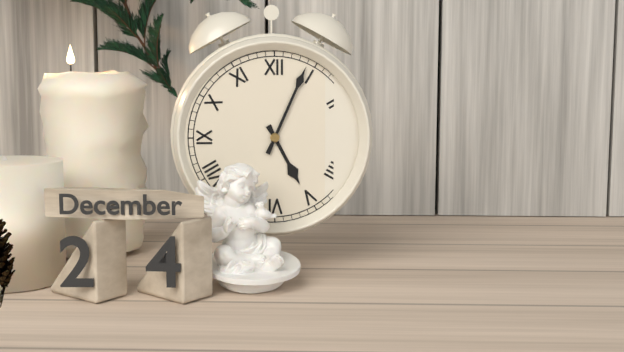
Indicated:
5.04
